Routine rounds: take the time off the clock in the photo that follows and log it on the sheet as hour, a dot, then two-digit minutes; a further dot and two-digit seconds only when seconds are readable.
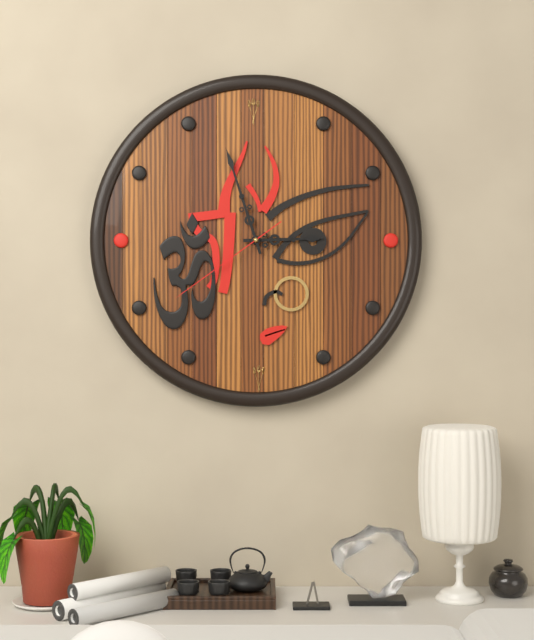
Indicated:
2.57.39
